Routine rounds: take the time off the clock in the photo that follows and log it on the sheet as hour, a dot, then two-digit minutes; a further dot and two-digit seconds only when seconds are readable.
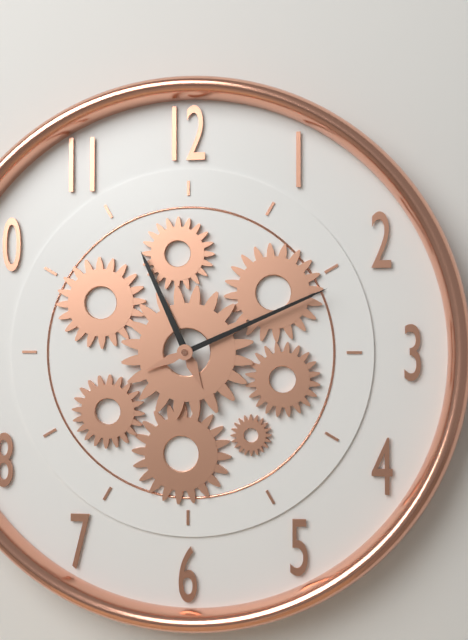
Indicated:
11.11
